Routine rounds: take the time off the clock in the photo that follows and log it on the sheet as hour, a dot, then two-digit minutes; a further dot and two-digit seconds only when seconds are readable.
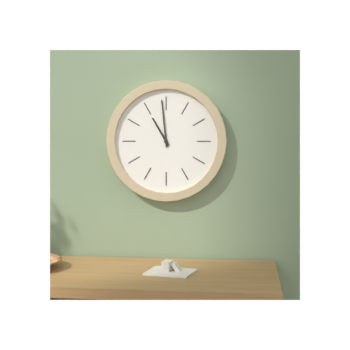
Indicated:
10.59
